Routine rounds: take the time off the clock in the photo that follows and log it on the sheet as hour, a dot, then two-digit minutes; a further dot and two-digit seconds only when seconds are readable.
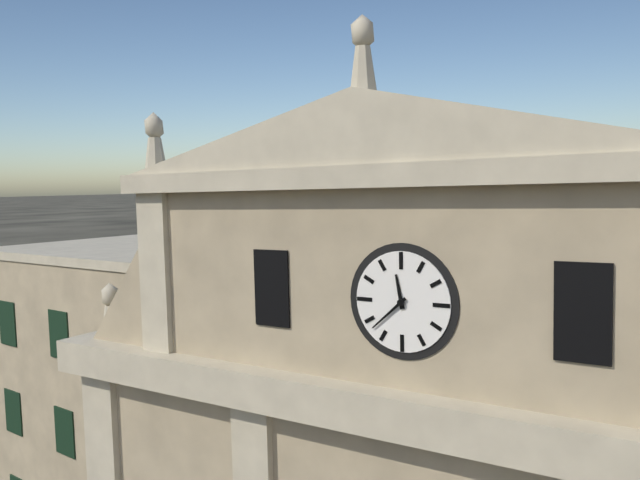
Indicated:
11.38
